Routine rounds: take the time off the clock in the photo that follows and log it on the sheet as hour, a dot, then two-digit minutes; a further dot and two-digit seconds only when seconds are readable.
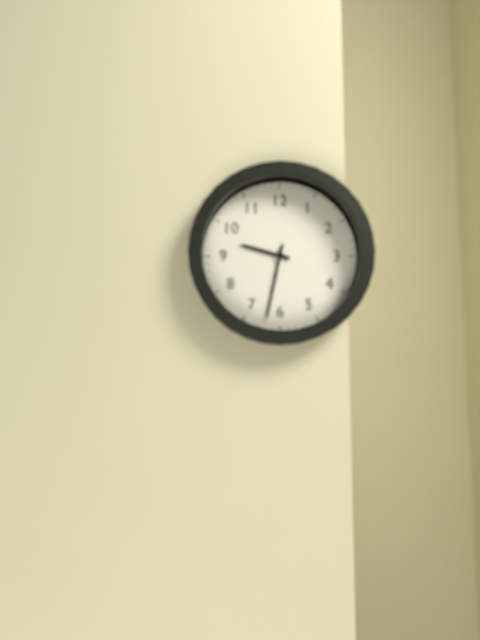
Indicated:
9.32
